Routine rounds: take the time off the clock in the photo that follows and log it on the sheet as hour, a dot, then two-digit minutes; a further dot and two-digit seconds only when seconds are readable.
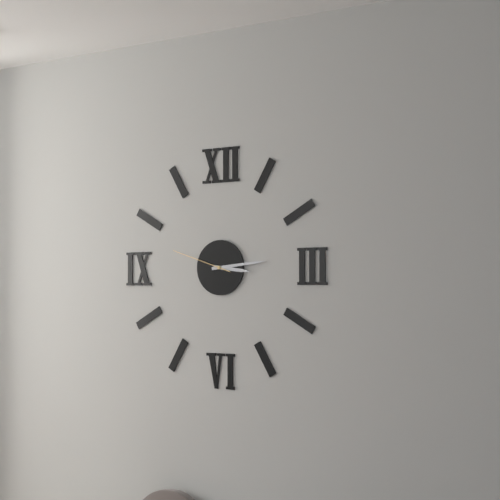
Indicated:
3.14.48
